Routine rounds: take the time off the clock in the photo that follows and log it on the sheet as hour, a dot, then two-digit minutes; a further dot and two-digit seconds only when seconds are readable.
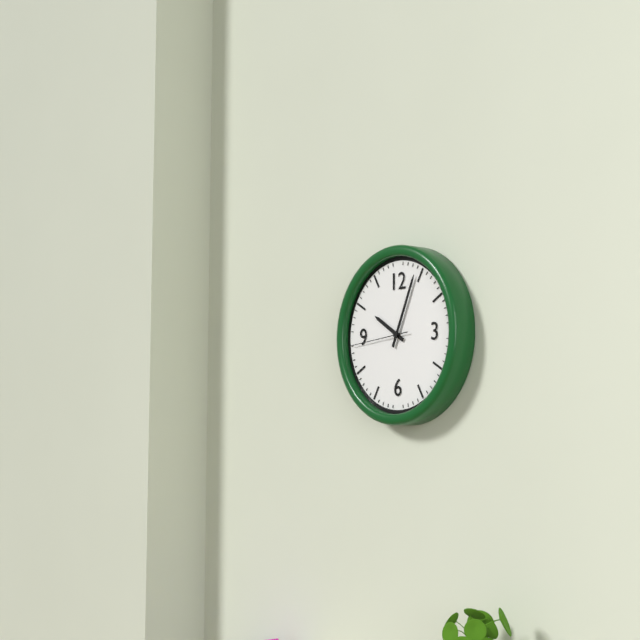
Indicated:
10.04.44
